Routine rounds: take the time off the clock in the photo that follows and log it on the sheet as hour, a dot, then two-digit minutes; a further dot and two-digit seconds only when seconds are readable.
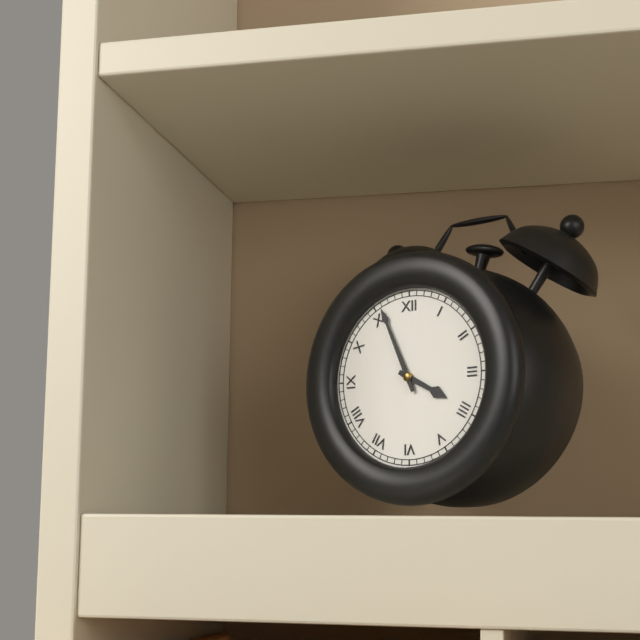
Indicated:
3.56
